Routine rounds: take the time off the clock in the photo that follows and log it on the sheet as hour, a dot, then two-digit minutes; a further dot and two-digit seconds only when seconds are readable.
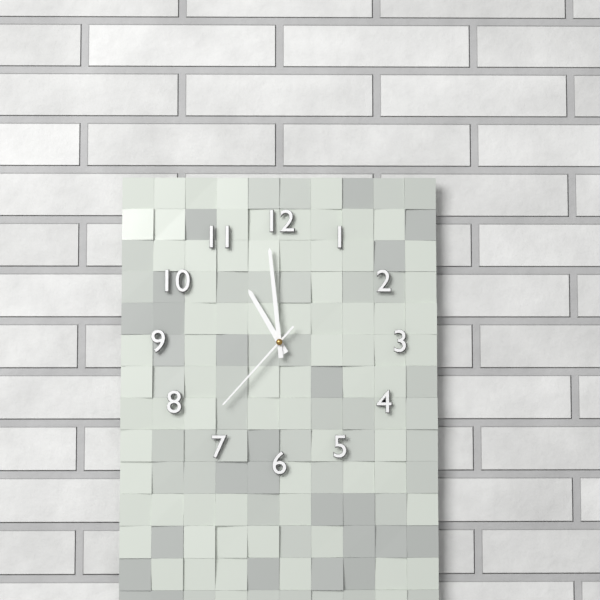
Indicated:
10.59.37
